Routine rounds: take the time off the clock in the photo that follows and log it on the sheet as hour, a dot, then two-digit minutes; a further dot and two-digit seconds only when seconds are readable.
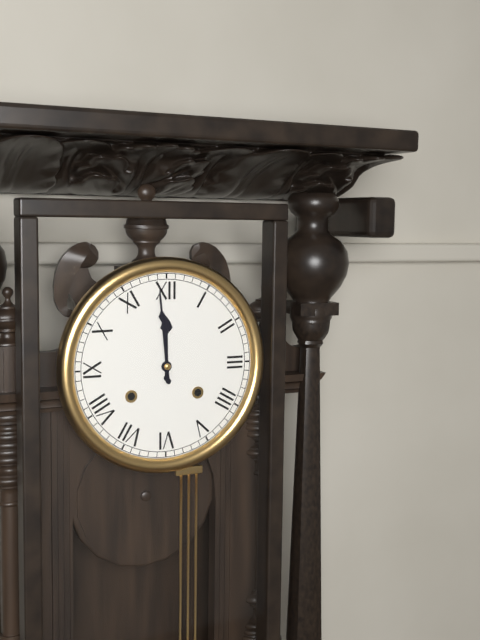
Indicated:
11.59
